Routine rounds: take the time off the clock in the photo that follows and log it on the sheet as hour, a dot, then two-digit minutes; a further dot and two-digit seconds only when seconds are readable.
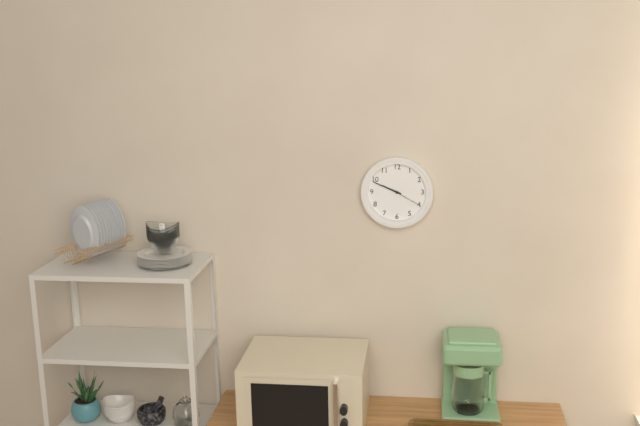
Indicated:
9.49
